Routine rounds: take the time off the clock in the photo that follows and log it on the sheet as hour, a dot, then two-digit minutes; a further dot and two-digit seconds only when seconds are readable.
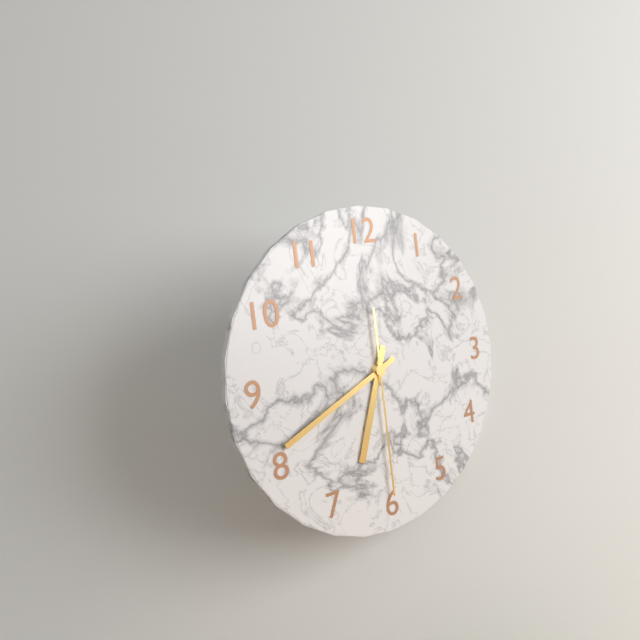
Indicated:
6.41.30
